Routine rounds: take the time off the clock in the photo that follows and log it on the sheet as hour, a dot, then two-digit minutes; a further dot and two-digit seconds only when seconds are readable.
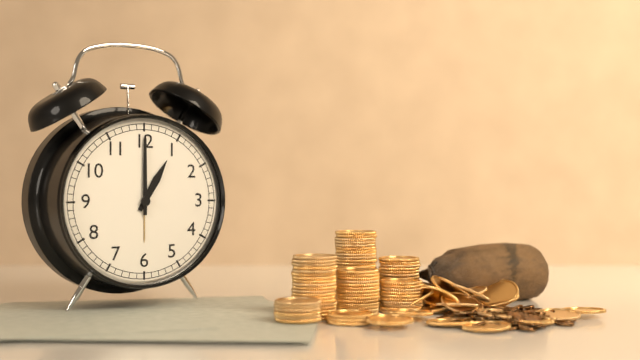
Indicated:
1.00
